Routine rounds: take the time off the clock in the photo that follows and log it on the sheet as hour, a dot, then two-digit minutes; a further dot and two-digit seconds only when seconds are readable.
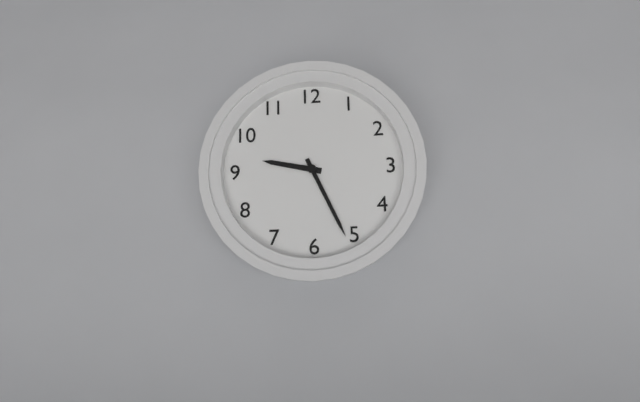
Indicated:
9.26
